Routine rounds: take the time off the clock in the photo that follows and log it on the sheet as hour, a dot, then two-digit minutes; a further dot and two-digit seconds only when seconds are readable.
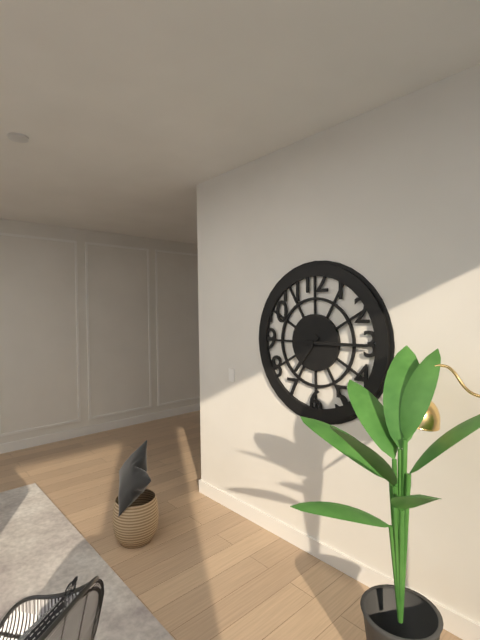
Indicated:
7.15
